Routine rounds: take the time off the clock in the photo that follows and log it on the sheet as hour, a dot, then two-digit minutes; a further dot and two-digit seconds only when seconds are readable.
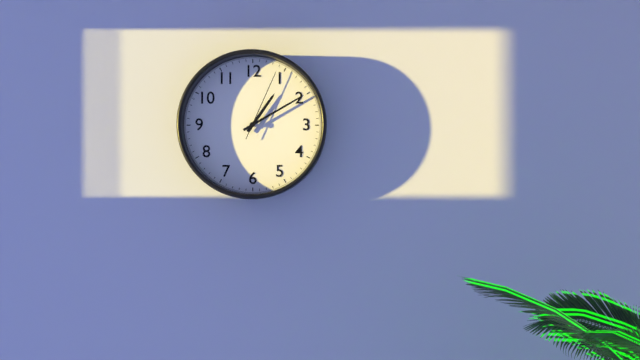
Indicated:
1.10.04
